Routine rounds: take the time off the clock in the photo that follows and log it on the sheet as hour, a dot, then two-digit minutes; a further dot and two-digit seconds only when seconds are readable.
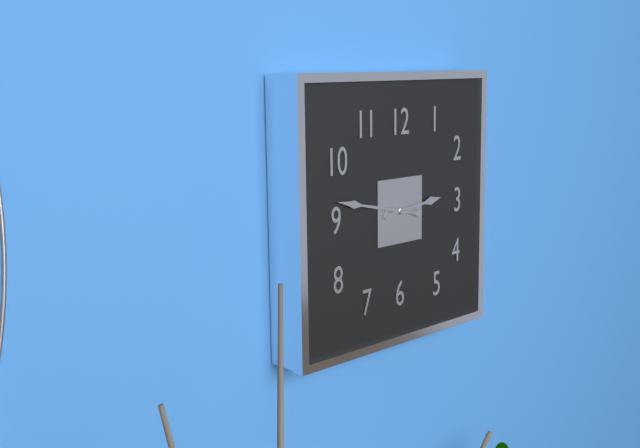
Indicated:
2.47
